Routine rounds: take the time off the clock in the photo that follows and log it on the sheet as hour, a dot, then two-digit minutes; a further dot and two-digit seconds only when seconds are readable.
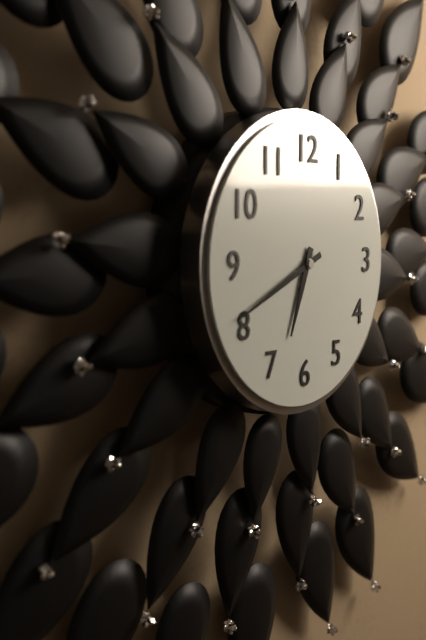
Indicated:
6.41
